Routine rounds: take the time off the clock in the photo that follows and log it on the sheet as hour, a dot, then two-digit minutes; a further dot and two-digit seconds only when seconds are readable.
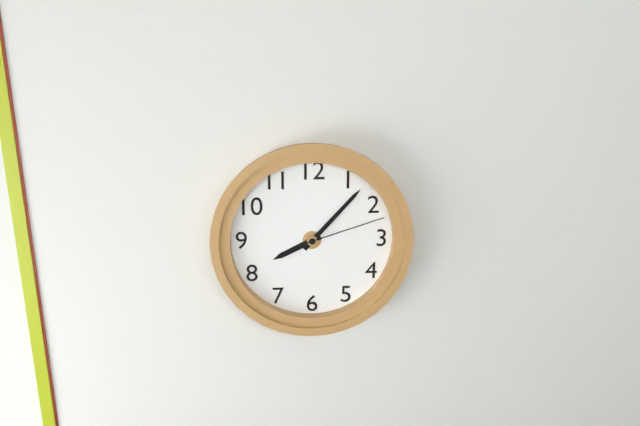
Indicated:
8.07.12
